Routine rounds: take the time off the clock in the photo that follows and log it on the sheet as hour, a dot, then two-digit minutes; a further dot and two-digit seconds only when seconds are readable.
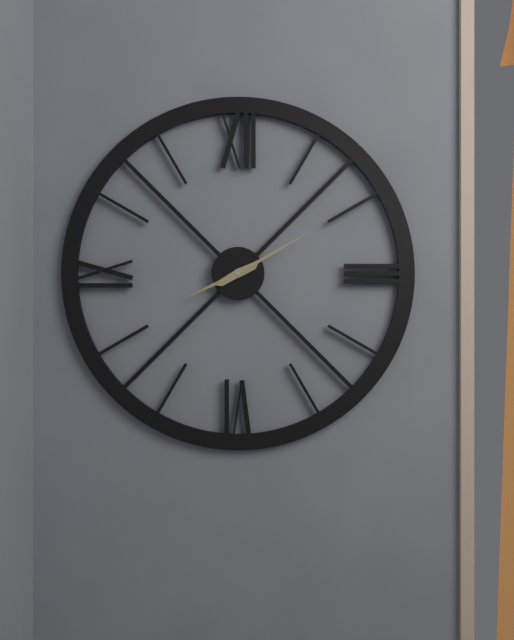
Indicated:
8.10
